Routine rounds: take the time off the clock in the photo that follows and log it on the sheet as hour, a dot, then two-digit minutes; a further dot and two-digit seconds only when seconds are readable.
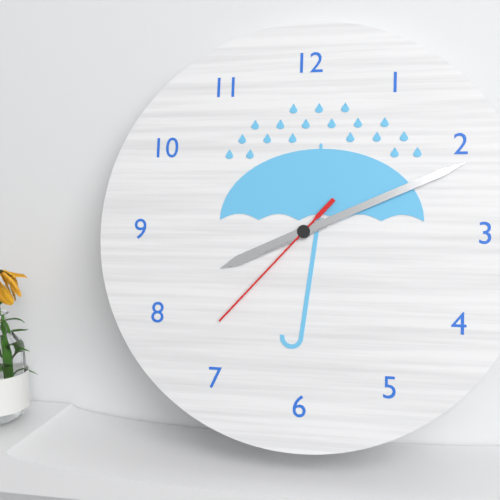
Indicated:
8.11.37
